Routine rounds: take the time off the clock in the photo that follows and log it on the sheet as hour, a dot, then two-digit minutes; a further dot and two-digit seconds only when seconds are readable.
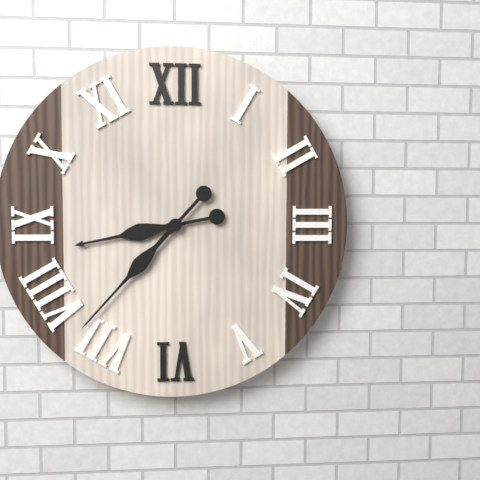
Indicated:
8.37
